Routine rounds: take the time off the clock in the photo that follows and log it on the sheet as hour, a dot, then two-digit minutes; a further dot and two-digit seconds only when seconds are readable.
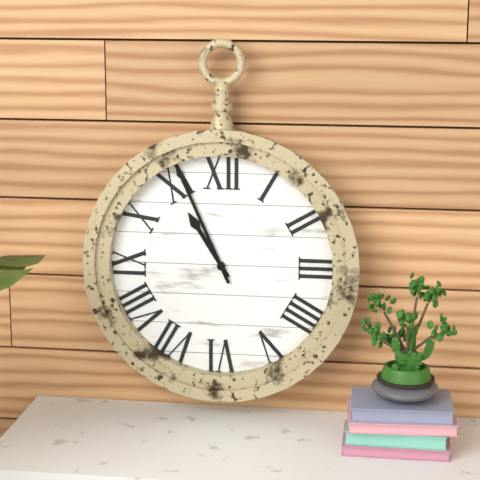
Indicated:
10.56
